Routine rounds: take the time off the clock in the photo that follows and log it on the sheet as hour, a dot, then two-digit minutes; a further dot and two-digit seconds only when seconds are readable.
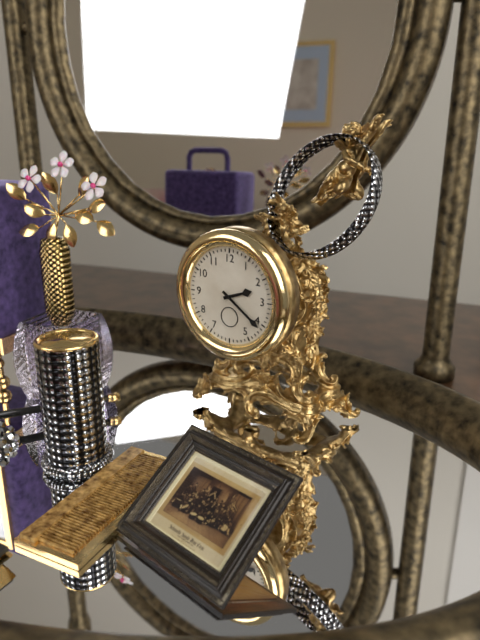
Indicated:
2.21
